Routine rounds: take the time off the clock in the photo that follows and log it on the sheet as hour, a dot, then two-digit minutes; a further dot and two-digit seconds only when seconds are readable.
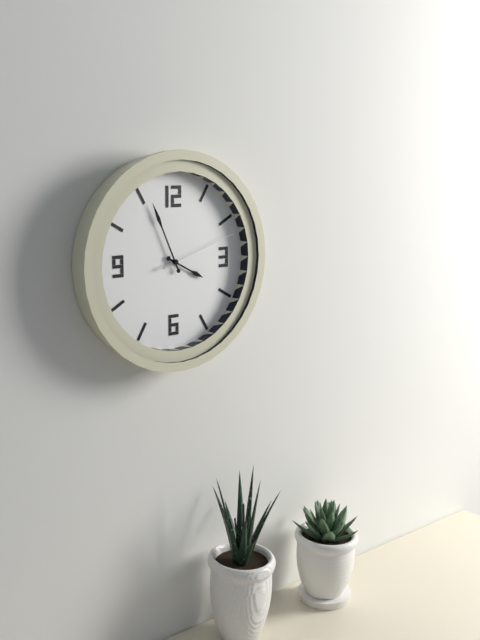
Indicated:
3.56.12
